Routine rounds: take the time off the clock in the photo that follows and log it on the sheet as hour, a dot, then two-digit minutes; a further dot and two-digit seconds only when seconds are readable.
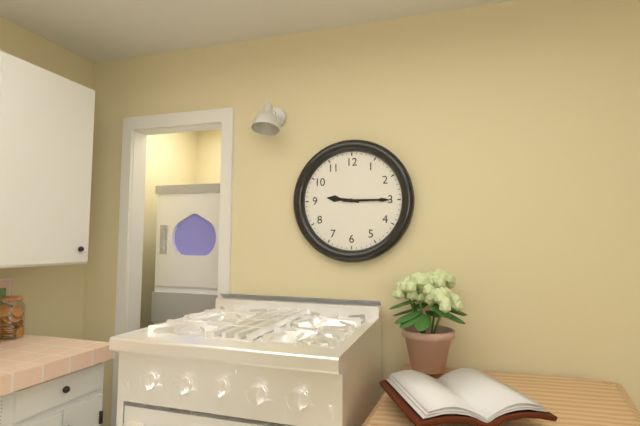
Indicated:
9.15
